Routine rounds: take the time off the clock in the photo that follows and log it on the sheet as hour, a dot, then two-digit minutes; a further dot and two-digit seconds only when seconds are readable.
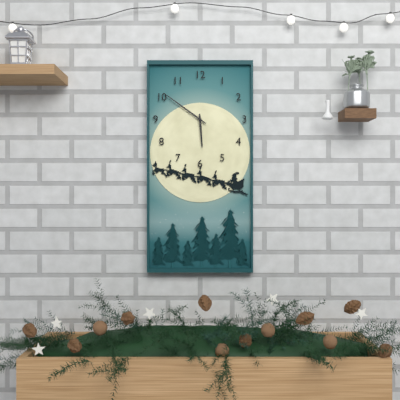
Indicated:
5.51
